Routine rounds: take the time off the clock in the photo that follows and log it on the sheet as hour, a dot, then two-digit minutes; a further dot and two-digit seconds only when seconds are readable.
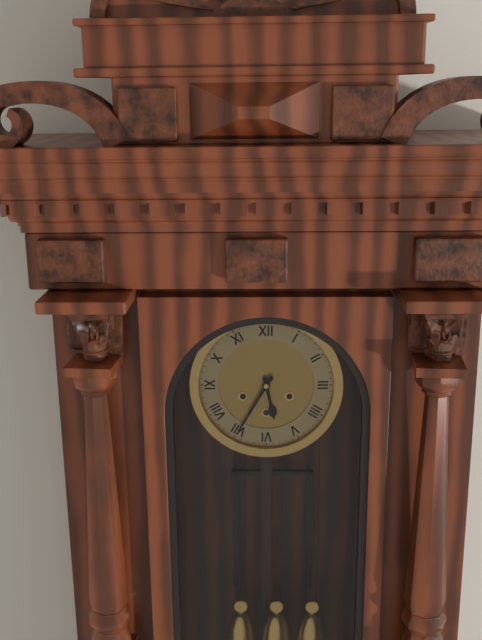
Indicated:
5.35
